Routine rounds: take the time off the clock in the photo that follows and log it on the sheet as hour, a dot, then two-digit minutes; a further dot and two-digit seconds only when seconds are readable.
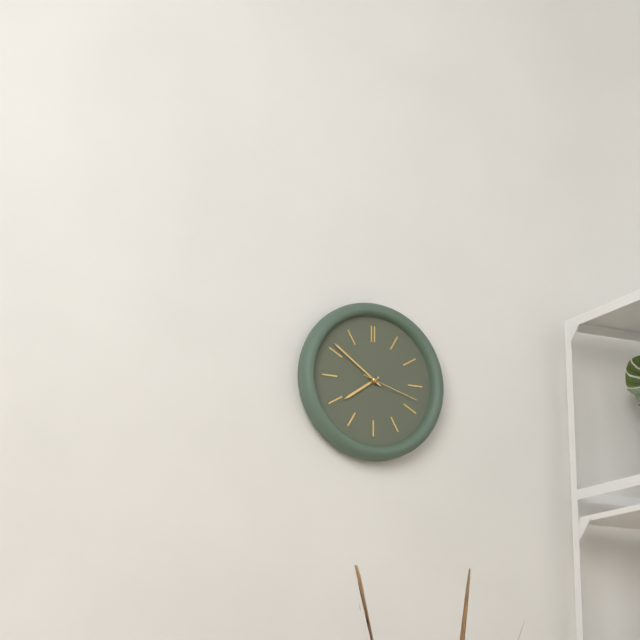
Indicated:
7.51.18
